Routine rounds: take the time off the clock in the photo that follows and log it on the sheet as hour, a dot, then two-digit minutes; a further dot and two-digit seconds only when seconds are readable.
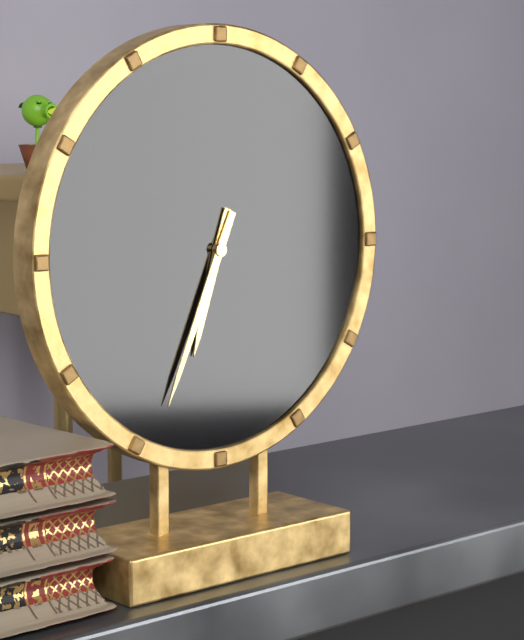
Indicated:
6.34
